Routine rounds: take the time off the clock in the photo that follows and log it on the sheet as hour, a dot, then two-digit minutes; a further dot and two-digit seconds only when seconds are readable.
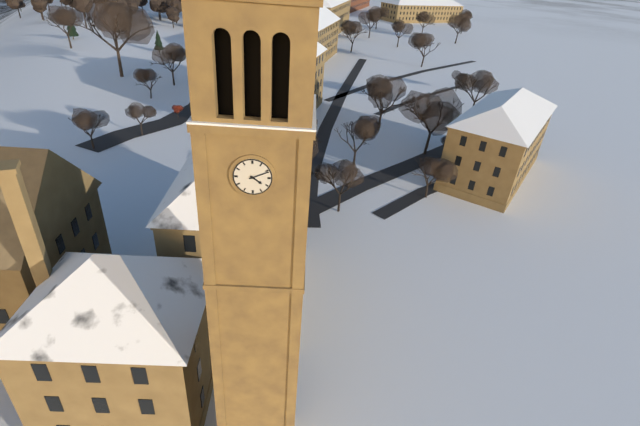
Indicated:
4.11
